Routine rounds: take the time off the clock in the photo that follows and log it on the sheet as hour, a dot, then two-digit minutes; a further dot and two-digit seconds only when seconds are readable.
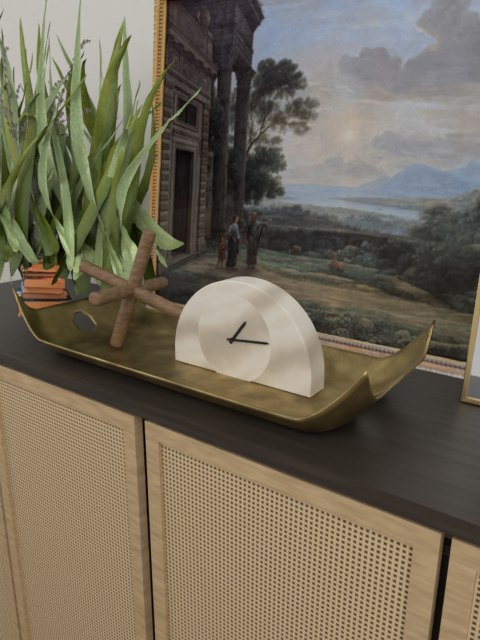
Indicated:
1.14
